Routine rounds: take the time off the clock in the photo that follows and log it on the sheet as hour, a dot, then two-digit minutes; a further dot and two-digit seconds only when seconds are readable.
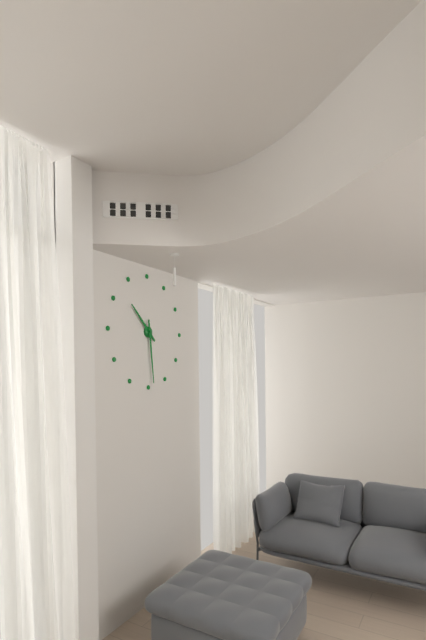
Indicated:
10.29
